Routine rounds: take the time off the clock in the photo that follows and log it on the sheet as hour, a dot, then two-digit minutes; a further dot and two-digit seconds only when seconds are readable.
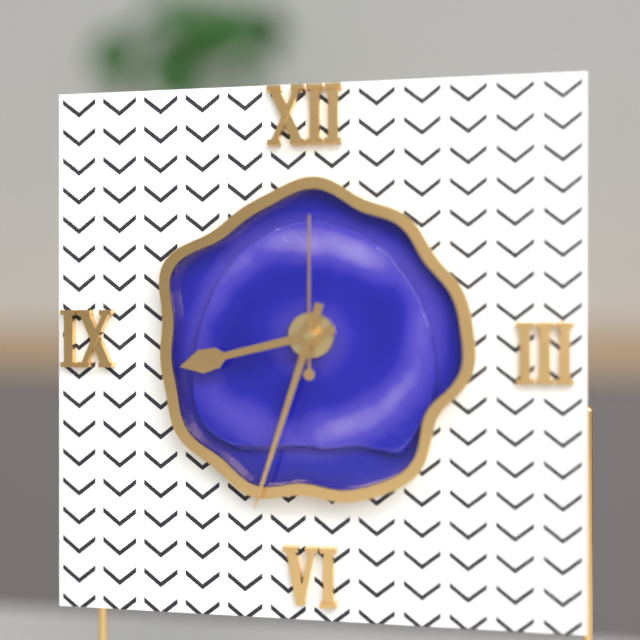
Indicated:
8.33.00
